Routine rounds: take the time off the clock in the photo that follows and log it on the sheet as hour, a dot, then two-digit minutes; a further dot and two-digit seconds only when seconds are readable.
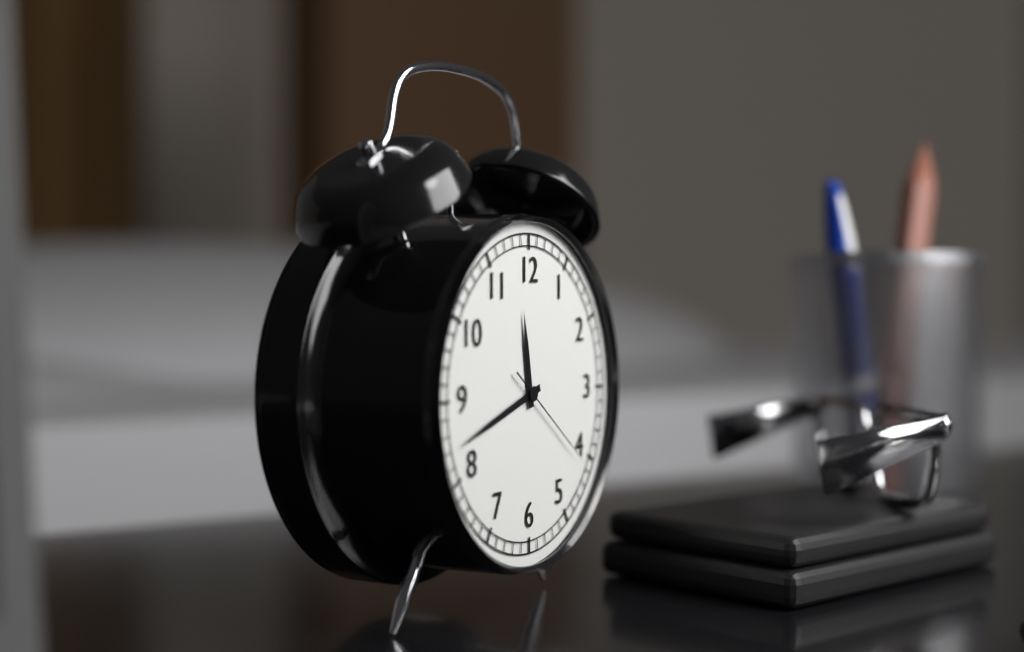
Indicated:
11.42.21
